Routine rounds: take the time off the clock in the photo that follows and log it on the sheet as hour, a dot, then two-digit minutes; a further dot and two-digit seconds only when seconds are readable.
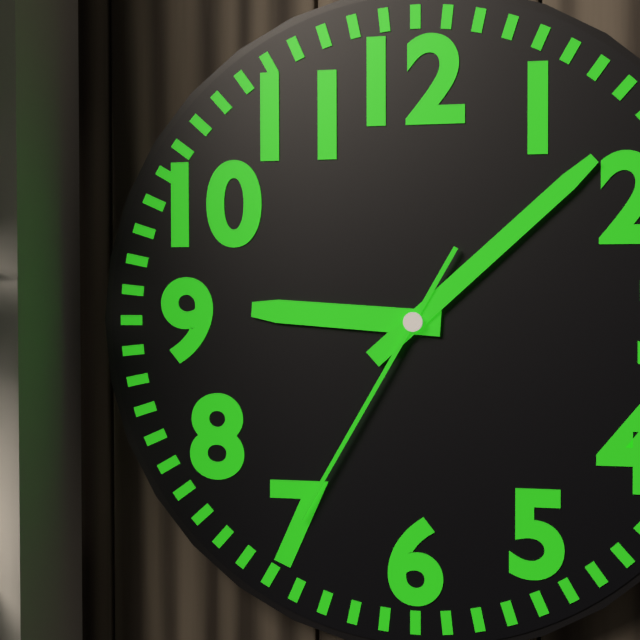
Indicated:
9.08.35
